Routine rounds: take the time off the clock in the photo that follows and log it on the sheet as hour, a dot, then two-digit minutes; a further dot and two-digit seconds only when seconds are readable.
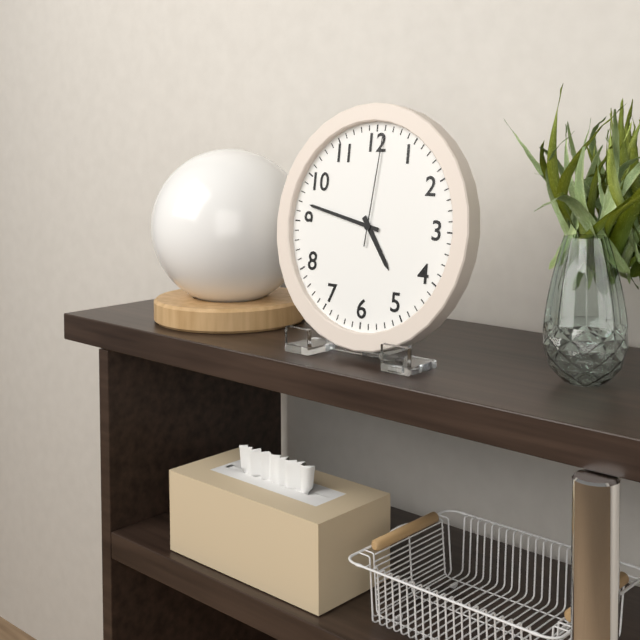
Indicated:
4.47.01
